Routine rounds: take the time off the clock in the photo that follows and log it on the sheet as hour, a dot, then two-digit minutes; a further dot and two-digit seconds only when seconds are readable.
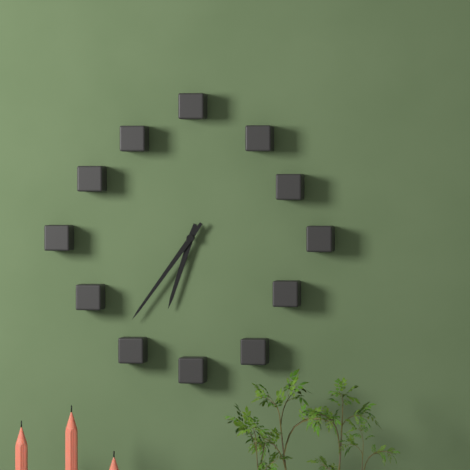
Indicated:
6.36
